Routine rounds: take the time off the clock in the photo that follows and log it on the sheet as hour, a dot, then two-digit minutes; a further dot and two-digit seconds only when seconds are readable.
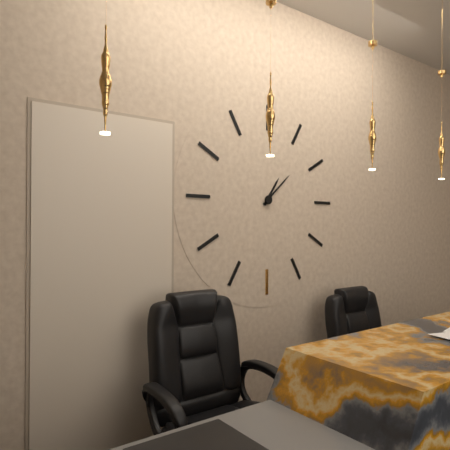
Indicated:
1.08
